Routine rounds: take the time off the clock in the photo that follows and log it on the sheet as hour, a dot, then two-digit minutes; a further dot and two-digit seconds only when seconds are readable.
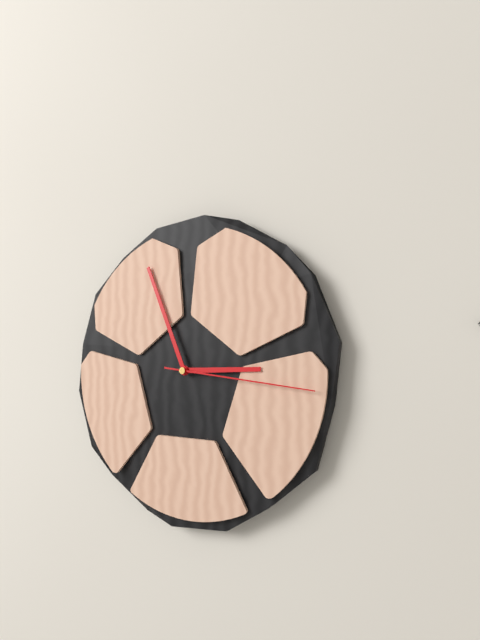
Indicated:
2.56.16
